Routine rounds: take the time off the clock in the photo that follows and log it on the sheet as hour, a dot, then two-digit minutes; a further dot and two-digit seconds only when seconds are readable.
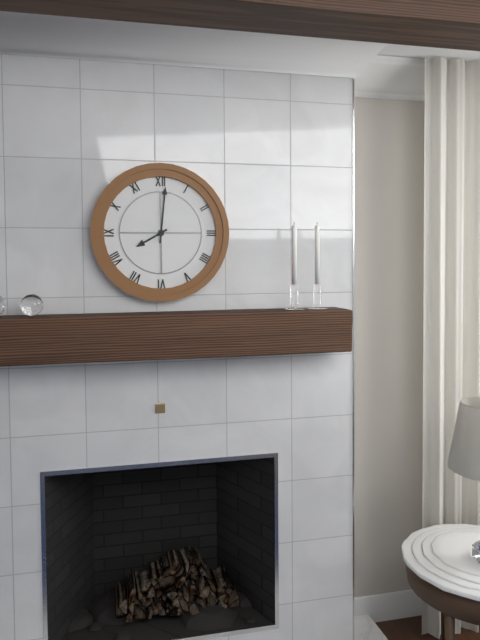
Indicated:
8.01
